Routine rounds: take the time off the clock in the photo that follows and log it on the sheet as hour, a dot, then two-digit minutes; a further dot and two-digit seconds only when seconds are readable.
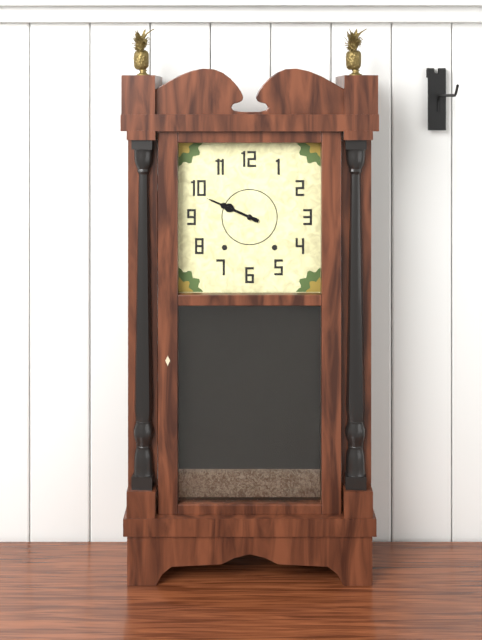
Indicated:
9.49
